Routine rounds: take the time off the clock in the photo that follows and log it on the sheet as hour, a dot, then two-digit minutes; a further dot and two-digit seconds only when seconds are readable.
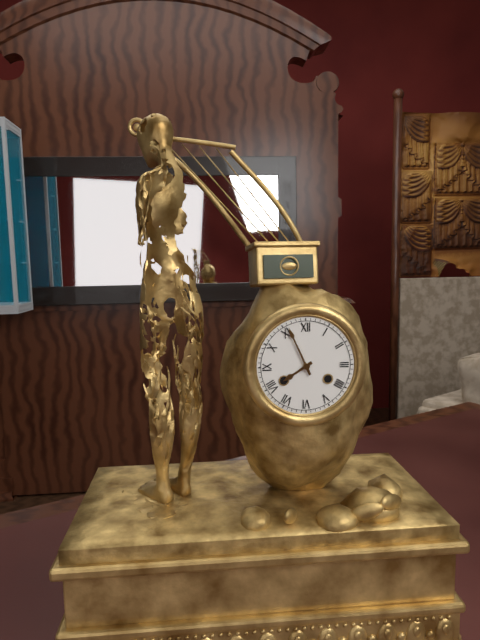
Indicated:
7.56
